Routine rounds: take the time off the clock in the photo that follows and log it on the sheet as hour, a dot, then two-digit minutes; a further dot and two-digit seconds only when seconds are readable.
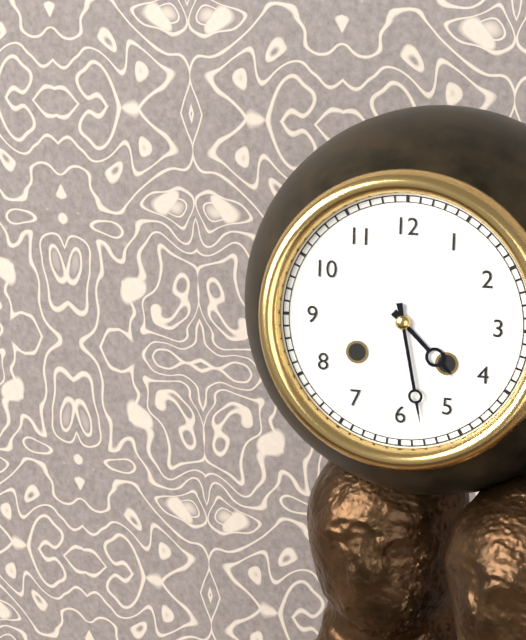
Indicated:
4.28
